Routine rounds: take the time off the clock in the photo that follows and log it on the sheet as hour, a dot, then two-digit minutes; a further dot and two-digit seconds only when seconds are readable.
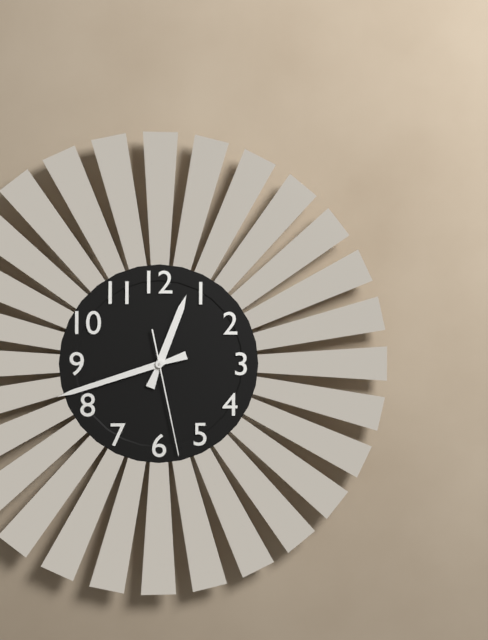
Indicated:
12.42.28
